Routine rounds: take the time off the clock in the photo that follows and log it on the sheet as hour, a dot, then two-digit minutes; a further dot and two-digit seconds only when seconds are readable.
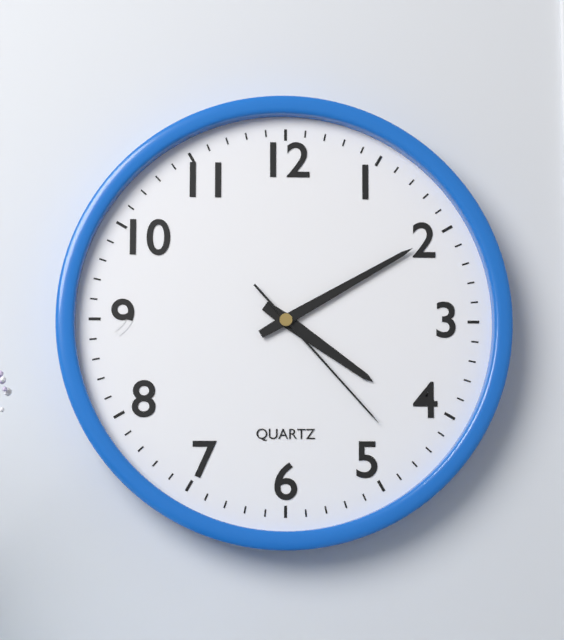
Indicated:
4.10.23
